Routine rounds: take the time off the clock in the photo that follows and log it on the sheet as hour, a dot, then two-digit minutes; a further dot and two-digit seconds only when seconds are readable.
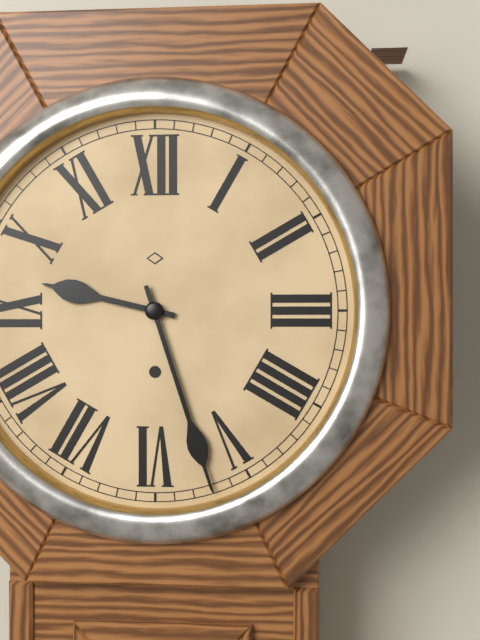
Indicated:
9.27
